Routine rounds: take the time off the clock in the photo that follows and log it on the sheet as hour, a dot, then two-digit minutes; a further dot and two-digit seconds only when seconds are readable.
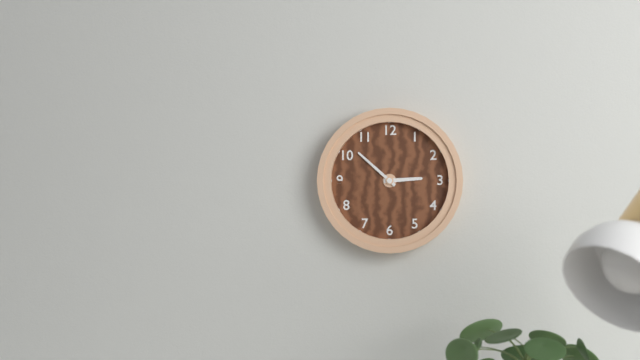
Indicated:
2.52
